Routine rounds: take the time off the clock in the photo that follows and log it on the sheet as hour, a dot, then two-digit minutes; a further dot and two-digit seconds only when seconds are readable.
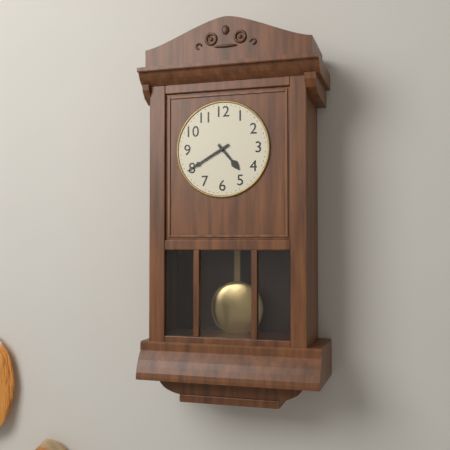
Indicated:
4.40
